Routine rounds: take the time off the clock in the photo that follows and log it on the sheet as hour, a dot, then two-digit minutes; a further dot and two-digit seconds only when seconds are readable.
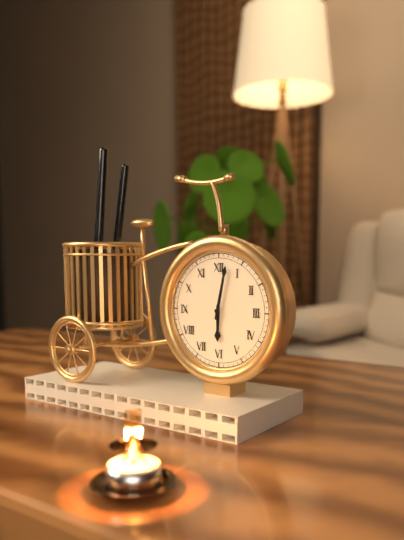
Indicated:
6.02
